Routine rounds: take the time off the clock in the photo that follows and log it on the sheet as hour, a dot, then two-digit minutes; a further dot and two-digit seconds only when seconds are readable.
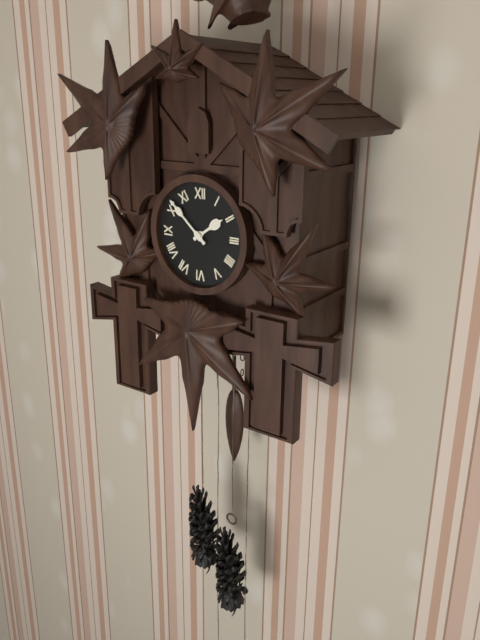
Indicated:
1.52
